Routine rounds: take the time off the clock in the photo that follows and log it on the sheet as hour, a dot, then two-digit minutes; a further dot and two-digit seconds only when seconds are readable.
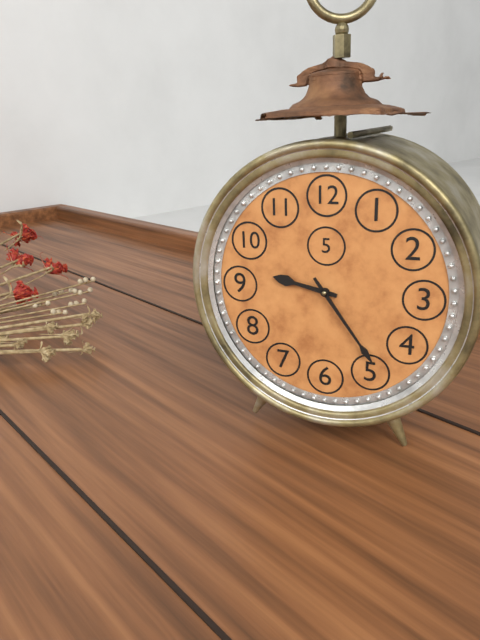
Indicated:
9.24
